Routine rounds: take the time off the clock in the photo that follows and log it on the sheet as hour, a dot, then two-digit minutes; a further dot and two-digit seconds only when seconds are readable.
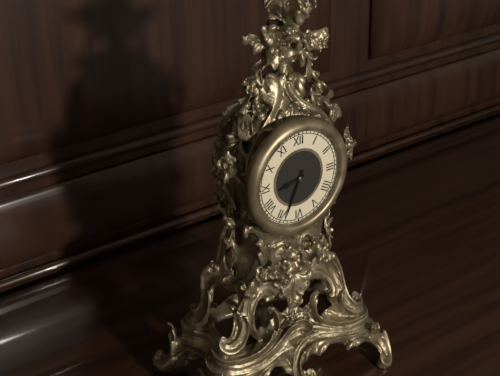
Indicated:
8.34
